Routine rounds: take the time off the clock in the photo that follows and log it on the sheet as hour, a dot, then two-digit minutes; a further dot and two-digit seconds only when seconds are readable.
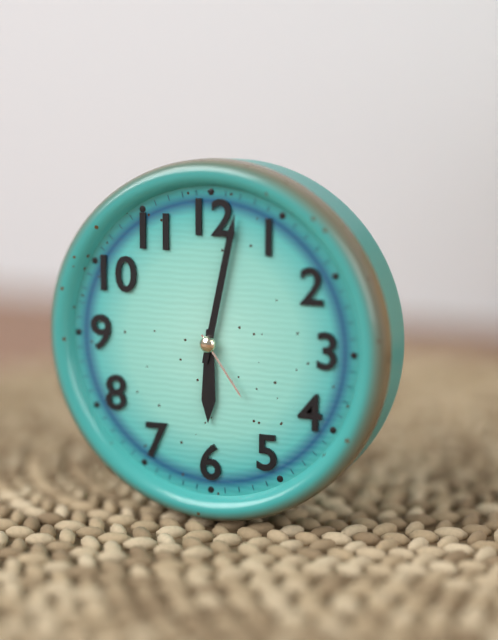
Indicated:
6.02.24
